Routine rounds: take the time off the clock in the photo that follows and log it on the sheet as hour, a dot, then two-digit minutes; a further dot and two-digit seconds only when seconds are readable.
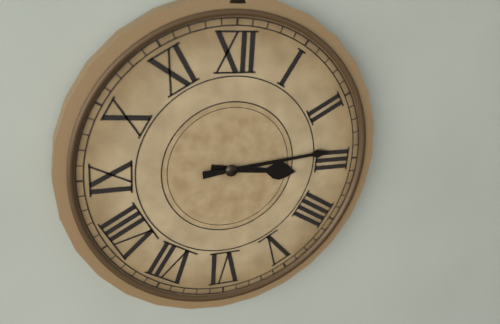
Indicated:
3.14
